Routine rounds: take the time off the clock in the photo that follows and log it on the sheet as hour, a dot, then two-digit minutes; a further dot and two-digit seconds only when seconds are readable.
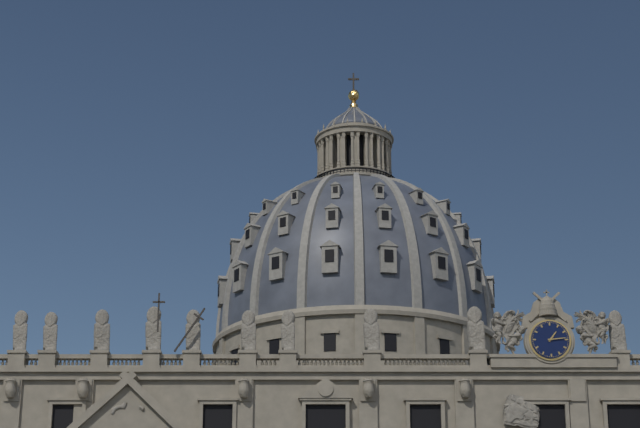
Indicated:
1.14
